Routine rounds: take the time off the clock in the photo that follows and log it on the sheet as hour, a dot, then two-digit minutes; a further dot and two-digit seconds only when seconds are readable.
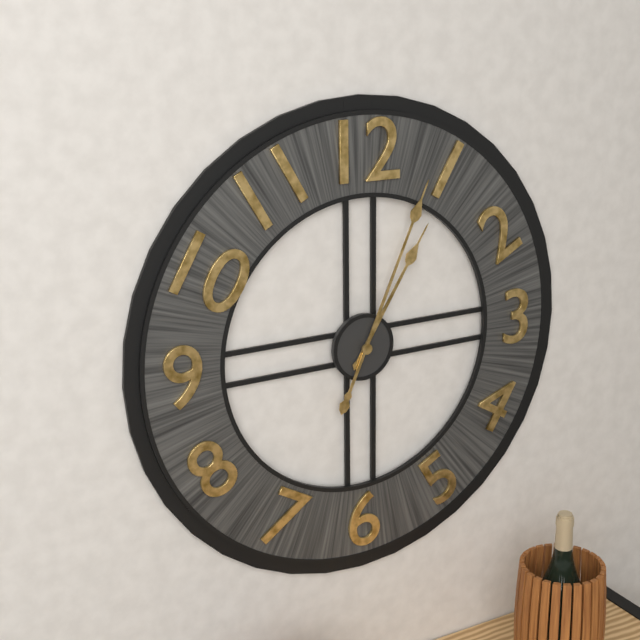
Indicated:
1.04
